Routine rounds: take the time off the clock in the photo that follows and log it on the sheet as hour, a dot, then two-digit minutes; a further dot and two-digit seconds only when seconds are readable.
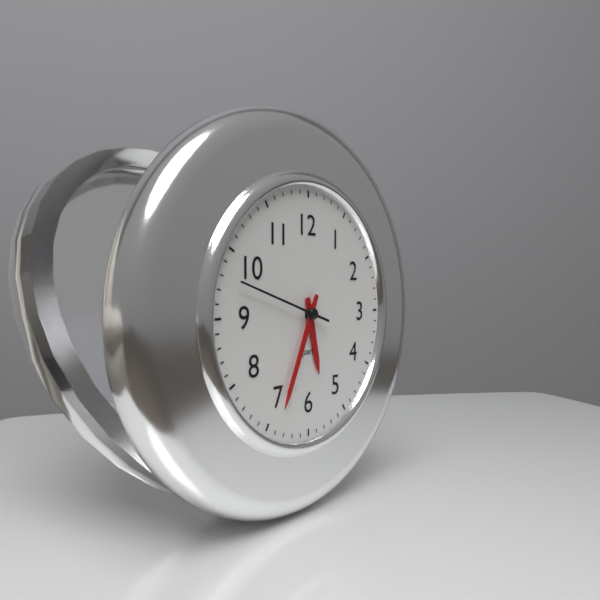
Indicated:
5.34.48
